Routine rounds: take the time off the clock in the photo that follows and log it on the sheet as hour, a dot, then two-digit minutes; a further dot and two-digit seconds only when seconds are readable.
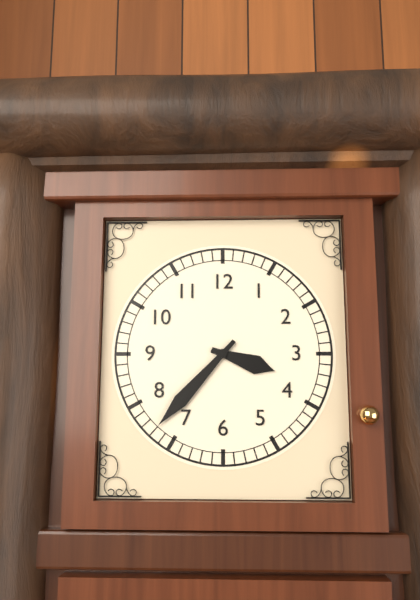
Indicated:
3.37
